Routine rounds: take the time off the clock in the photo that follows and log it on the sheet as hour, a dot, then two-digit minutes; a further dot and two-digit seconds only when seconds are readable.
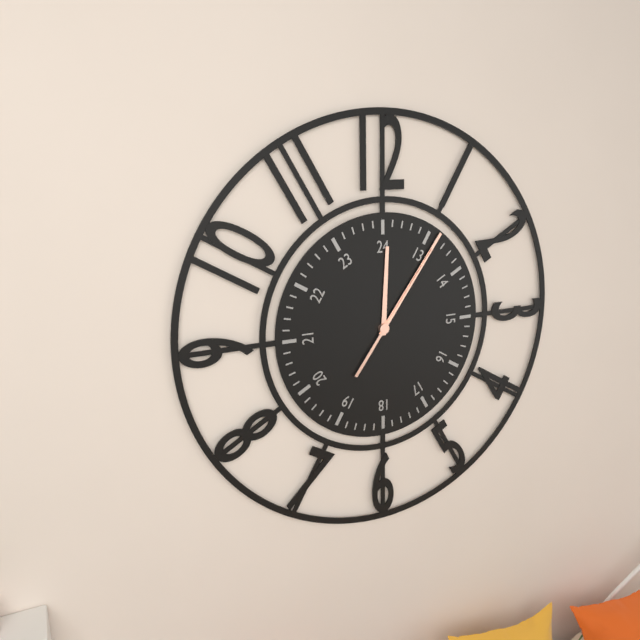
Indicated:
12.06.06
